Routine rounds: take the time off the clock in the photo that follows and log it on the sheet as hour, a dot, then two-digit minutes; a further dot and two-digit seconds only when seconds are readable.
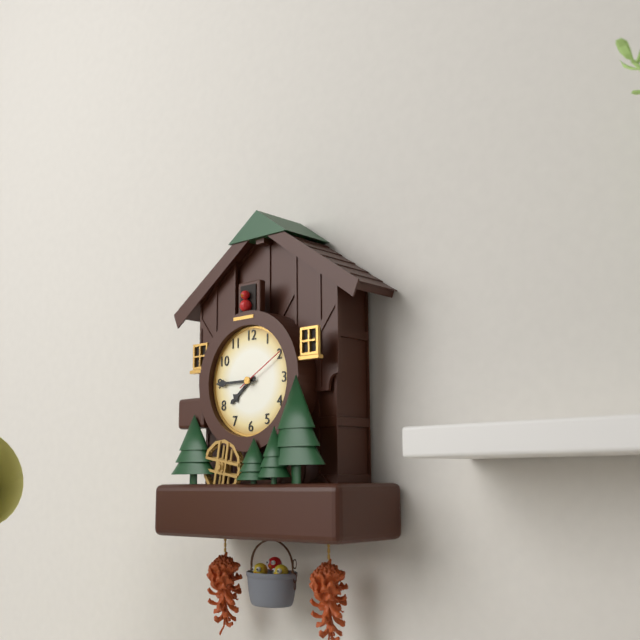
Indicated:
7.45.10
